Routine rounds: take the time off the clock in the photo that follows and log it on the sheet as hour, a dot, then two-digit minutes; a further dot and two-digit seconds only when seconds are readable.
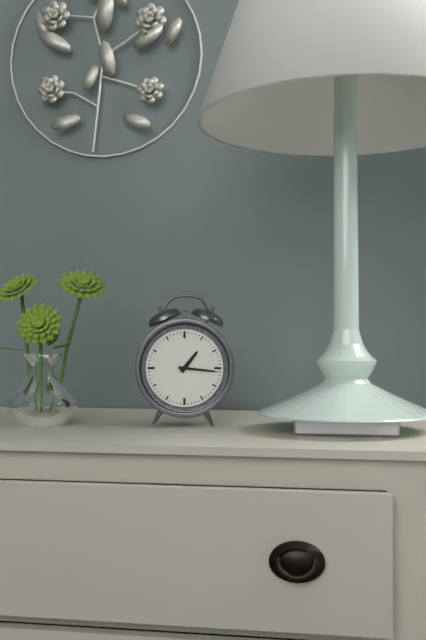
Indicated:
1.16
